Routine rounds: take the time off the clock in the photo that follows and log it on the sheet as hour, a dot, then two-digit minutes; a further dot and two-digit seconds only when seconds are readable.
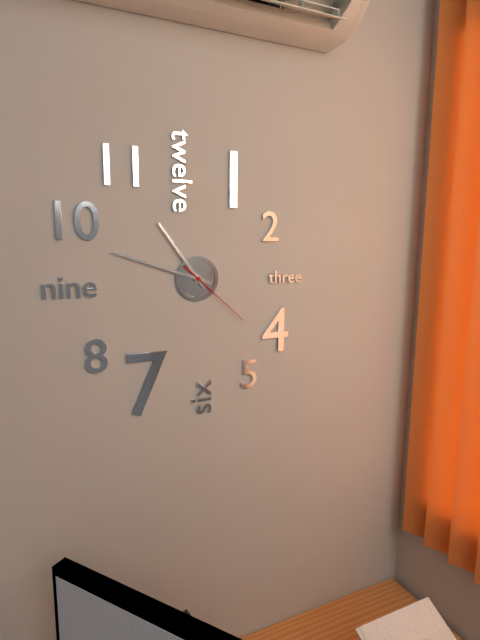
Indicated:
10.48.22
